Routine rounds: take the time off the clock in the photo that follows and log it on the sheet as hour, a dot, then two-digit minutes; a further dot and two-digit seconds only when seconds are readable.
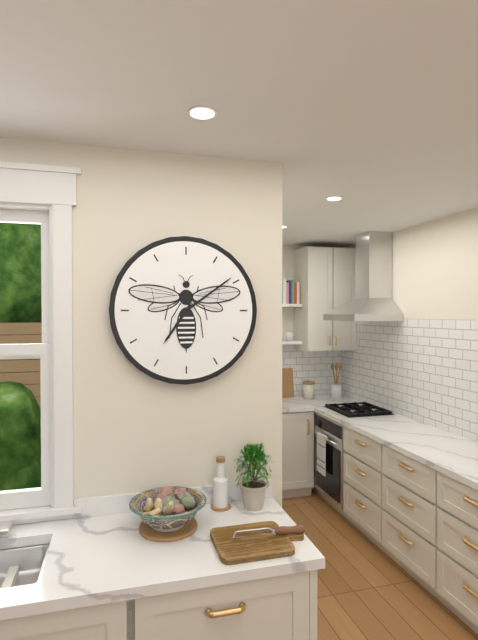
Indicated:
7.09
